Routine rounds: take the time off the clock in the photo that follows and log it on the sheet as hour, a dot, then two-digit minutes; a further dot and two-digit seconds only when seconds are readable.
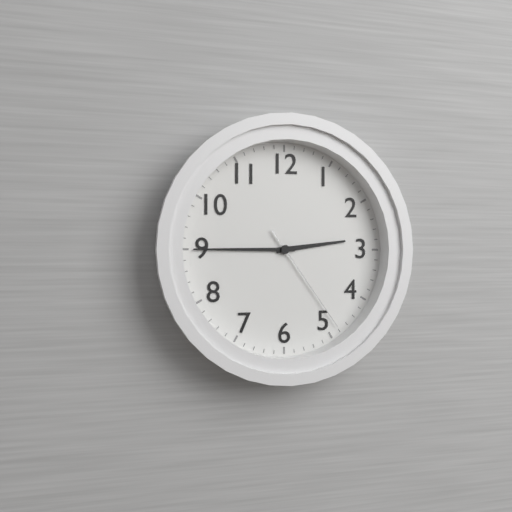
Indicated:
2.45.24
